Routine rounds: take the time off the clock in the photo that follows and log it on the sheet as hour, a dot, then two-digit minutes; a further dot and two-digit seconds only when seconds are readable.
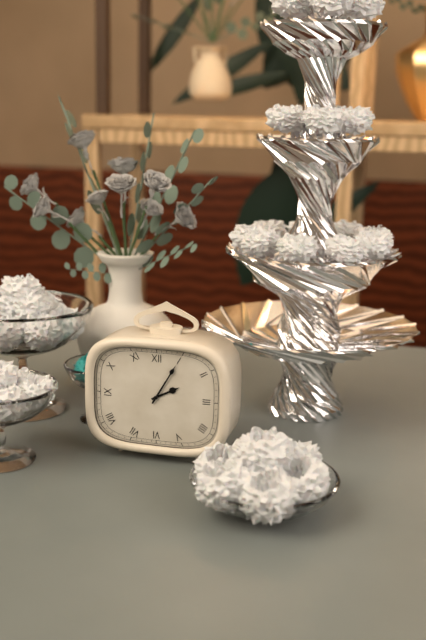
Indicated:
2.05
